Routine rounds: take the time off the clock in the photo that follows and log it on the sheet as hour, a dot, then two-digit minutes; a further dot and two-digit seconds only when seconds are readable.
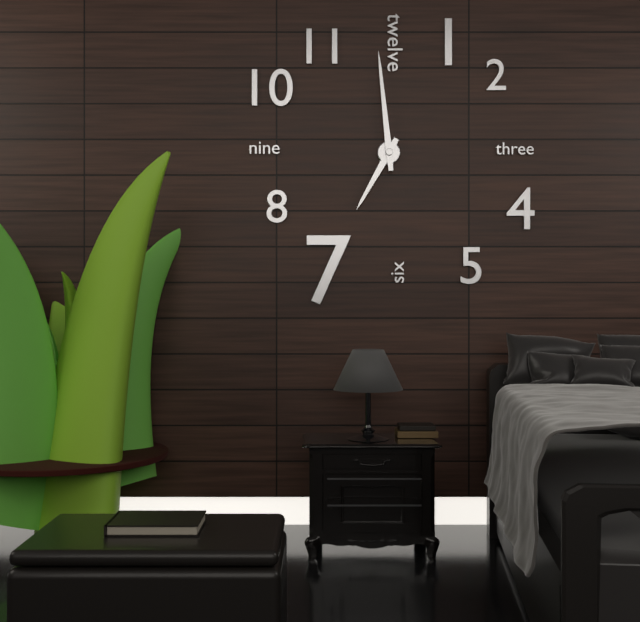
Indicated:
6.59
